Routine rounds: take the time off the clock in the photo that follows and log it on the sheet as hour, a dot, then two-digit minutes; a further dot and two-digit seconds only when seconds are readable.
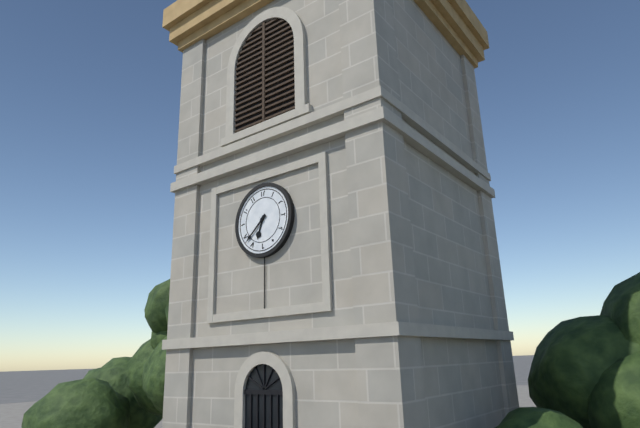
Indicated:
6.38
